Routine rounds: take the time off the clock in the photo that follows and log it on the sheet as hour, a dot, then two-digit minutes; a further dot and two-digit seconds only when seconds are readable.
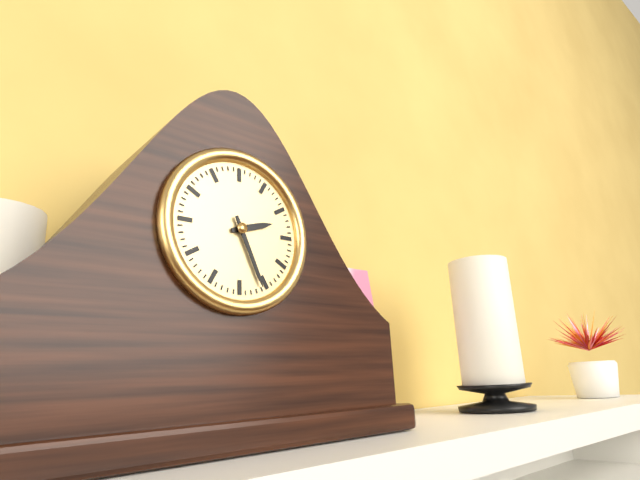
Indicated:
2.26
